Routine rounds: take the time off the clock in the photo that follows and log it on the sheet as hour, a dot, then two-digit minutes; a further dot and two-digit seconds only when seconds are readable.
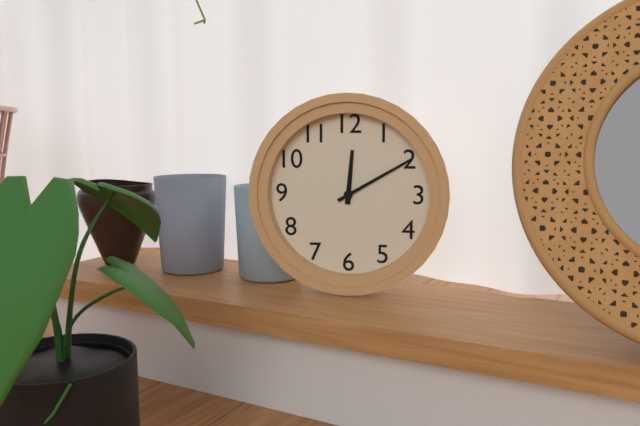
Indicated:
12.10
